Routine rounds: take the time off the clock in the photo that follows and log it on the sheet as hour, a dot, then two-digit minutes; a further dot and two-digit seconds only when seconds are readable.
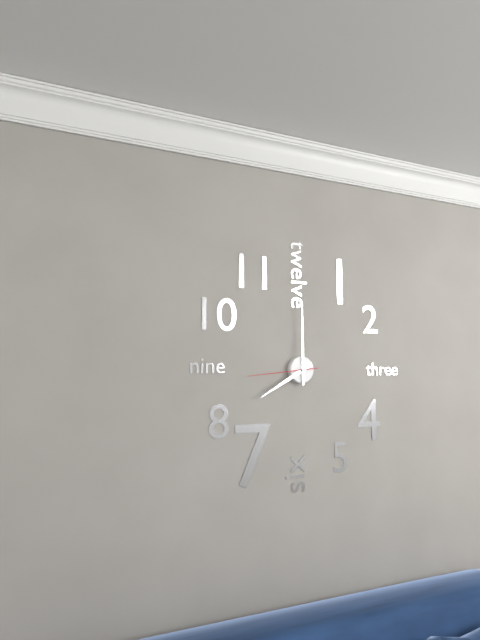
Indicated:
8.00.44
